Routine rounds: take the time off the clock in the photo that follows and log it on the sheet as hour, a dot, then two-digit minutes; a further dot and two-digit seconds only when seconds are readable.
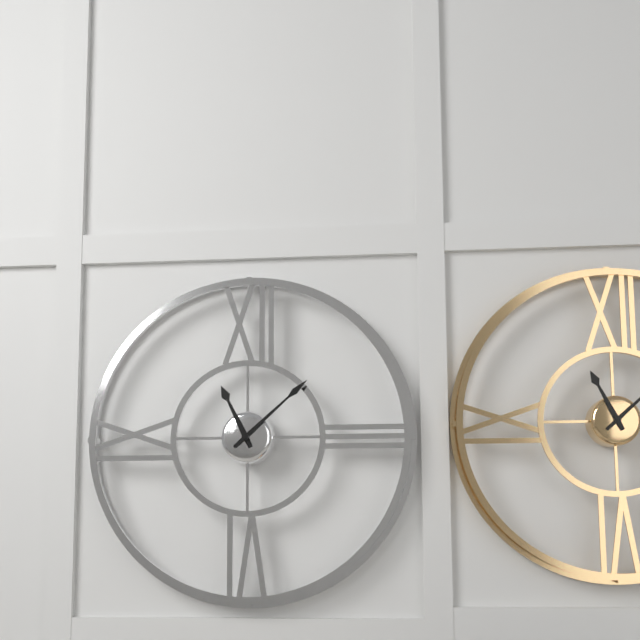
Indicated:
11.08
